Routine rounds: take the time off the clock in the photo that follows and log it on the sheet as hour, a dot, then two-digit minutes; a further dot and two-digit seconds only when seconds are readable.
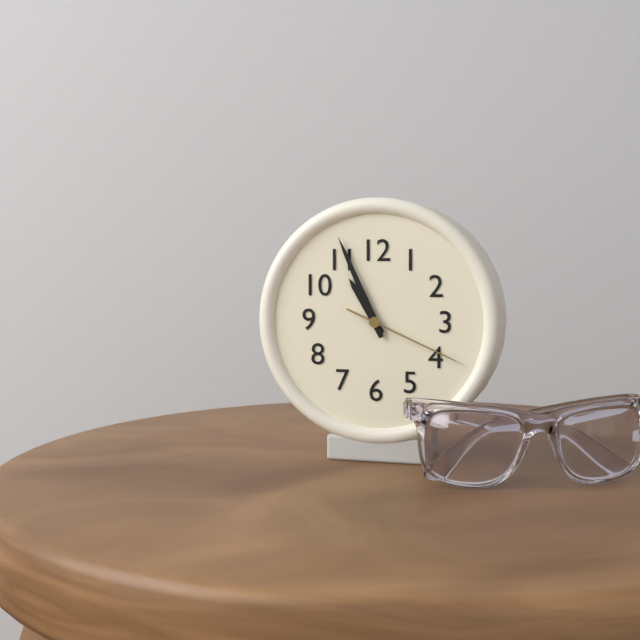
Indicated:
10.56.19
